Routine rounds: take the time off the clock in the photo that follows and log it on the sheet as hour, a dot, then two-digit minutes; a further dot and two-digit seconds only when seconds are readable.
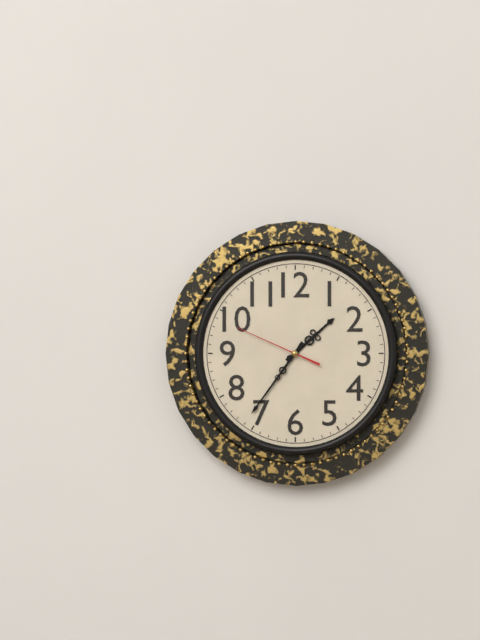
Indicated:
1.36.49
